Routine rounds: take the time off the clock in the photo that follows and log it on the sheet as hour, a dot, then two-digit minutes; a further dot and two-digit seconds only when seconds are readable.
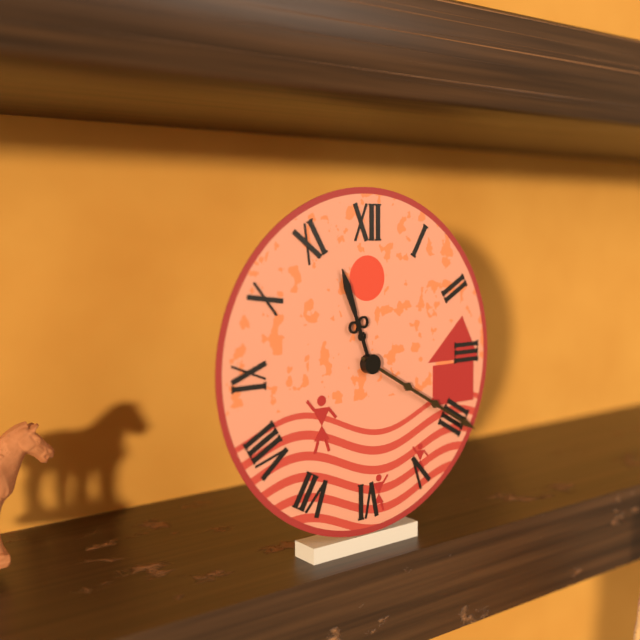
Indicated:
11.20
